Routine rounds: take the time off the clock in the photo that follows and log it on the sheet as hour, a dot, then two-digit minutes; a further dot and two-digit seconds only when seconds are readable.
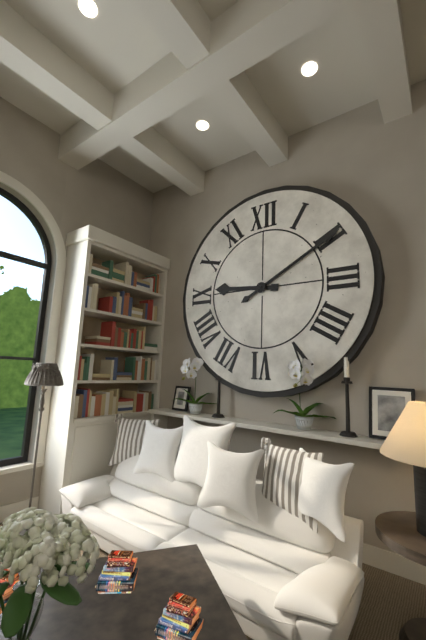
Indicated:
9.10
